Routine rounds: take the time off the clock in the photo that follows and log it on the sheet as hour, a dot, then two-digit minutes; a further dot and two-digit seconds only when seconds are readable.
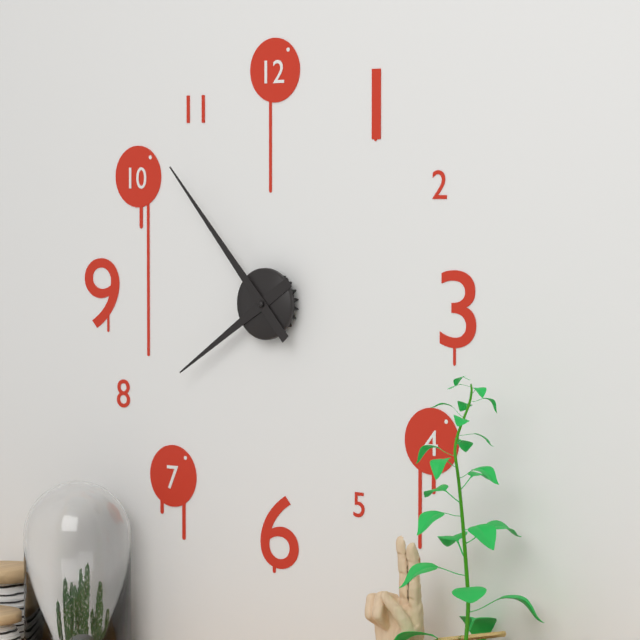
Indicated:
7.53
